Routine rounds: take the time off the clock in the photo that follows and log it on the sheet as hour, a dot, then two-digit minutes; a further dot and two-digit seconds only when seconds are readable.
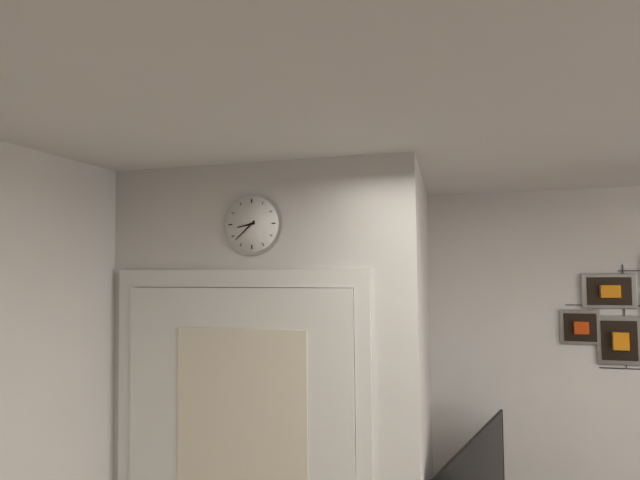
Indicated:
8.38
